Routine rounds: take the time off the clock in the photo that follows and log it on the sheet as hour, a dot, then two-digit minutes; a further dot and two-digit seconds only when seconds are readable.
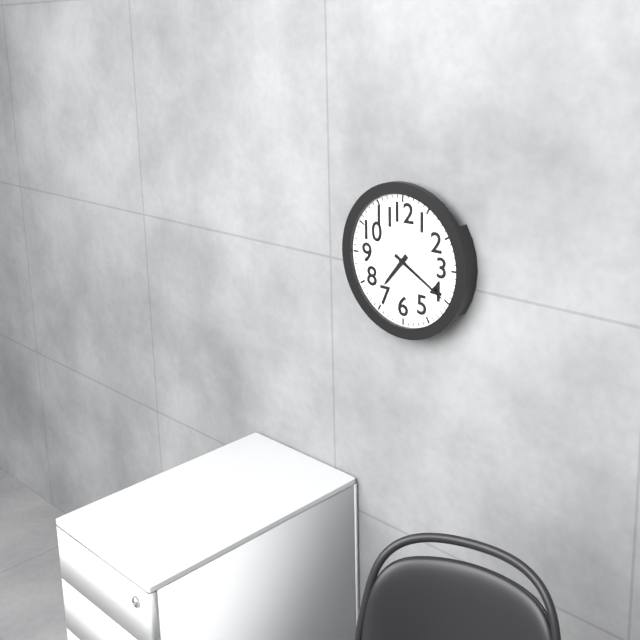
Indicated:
7.20
